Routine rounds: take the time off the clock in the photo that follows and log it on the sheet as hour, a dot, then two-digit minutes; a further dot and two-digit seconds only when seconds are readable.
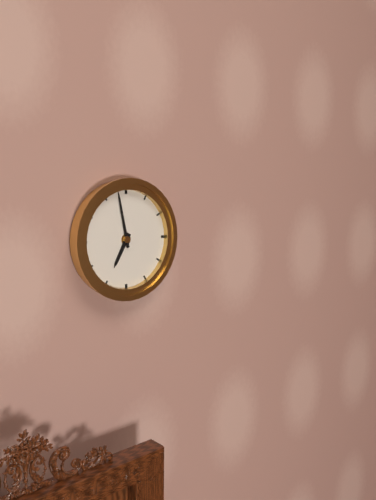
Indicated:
6.58
